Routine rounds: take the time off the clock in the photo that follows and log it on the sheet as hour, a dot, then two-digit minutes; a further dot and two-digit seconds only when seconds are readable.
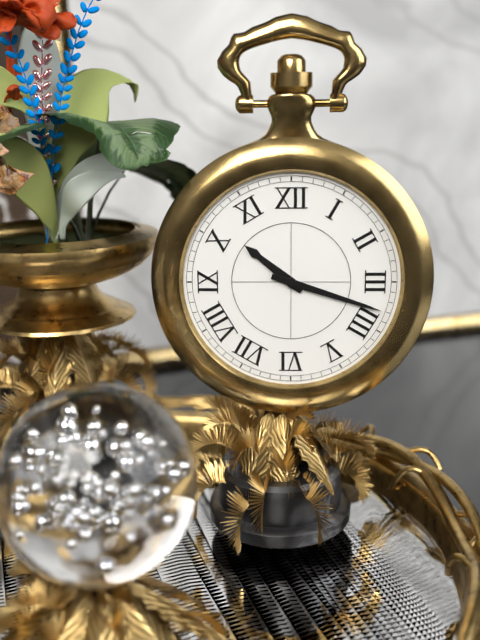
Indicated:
10.18
